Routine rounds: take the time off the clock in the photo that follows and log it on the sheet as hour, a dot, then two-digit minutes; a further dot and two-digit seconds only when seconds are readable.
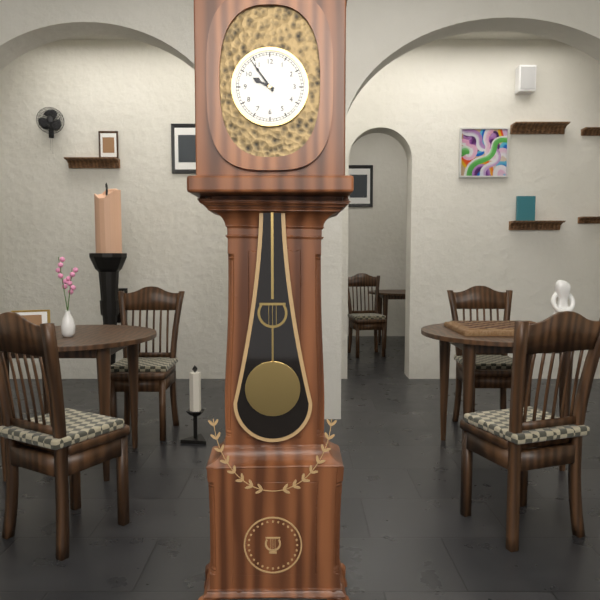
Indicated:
9.54
